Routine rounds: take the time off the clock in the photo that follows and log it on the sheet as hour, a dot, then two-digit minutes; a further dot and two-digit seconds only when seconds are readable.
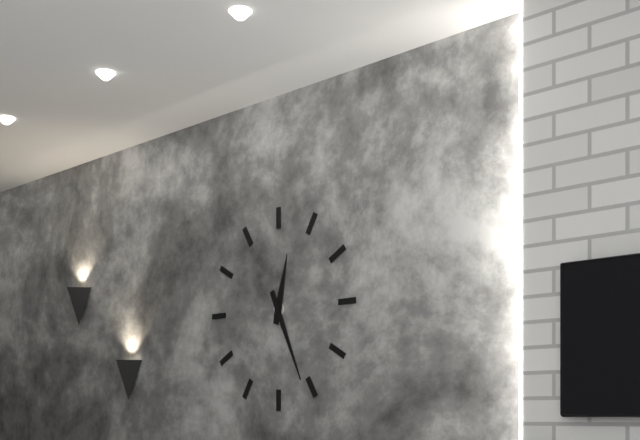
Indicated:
12.26
